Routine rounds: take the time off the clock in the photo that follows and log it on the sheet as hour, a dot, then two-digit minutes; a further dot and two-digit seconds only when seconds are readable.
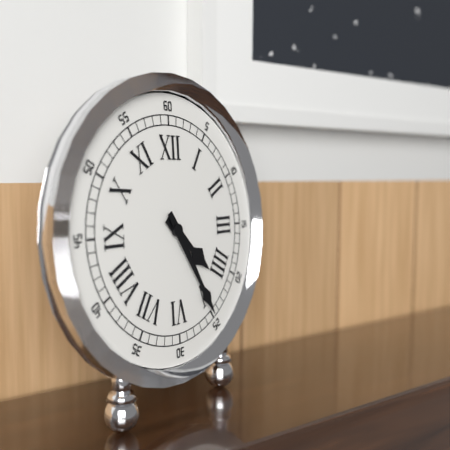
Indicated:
4.25
